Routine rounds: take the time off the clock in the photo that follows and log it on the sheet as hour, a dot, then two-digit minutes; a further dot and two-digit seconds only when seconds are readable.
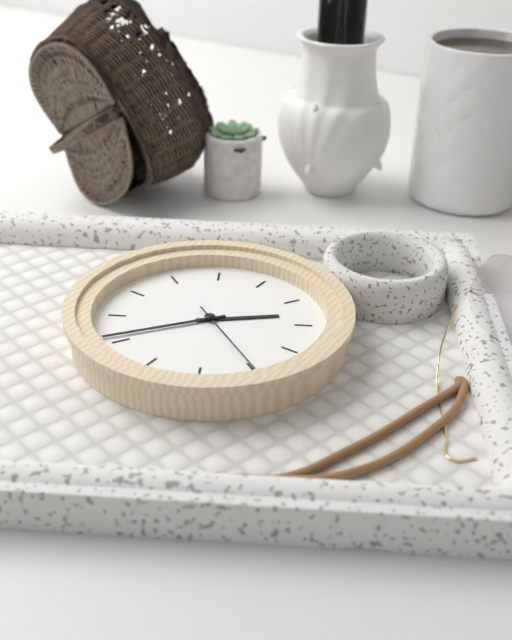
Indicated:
1.36.20
